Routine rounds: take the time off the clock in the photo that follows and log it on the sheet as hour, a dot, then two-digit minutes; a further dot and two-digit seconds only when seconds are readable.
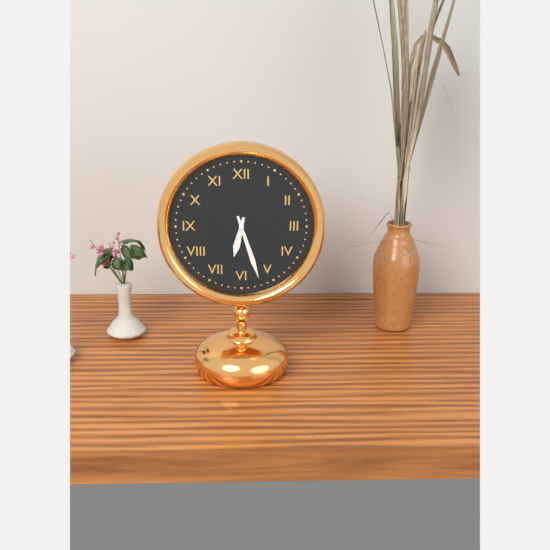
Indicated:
6.27
